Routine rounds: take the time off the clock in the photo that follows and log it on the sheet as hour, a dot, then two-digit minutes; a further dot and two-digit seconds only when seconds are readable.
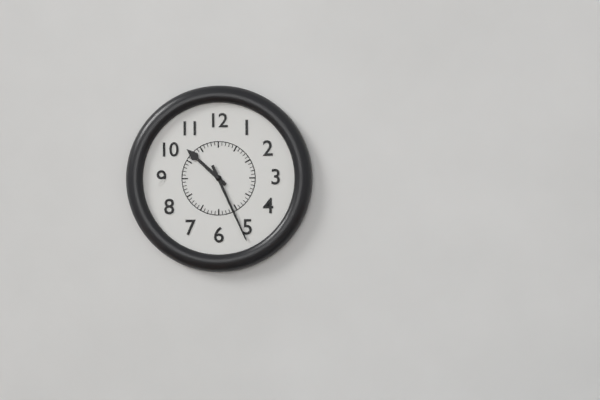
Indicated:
10.26
